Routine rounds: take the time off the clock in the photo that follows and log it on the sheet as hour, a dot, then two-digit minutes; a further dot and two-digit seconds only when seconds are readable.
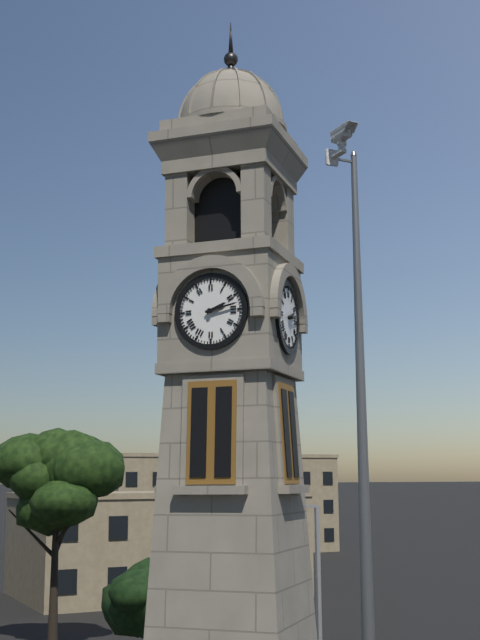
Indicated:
2.13
